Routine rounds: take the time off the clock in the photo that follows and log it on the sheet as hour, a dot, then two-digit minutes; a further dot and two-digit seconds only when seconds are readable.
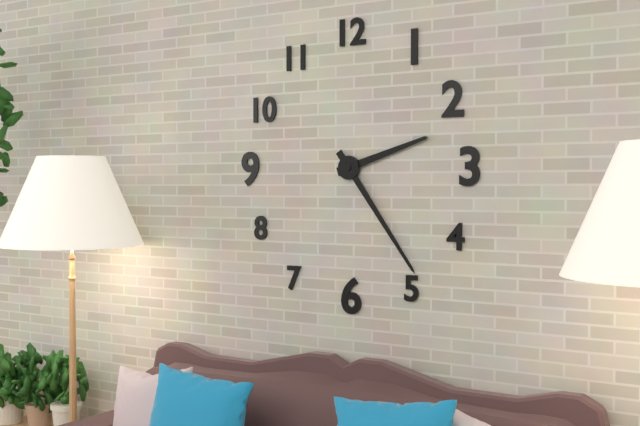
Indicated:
2.24
